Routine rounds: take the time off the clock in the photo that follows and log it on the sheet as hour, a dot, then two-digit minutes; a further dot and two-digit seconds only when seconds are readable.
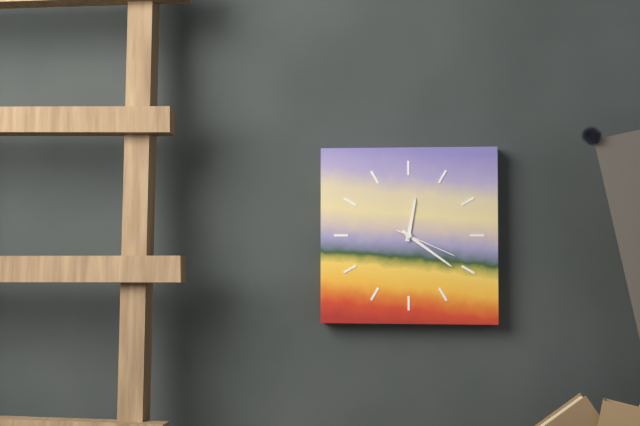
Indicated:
12.21.19
